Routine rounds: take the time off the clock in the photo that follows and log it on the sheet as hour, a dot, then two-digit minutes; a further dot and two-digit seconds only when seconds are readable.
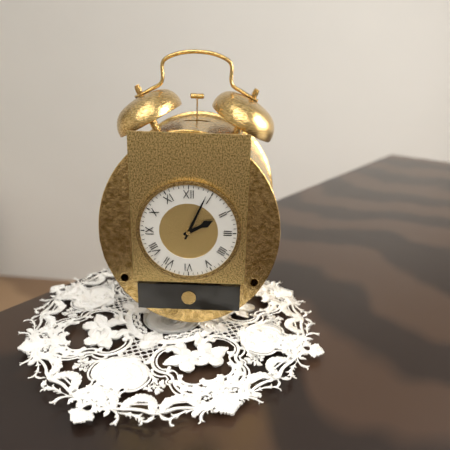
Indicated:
2.04
